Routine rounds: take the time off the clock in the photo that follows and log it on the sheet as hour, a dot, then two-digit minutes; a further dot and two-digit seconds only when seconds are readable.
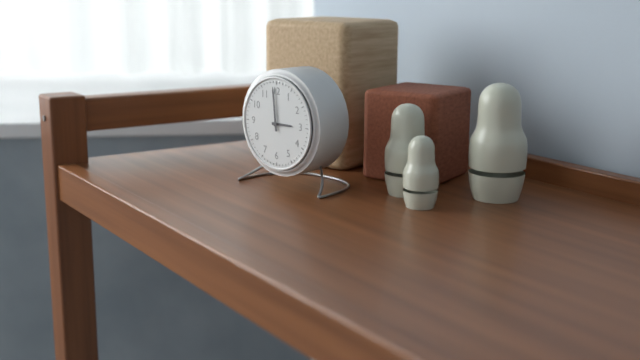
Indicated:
2.59
